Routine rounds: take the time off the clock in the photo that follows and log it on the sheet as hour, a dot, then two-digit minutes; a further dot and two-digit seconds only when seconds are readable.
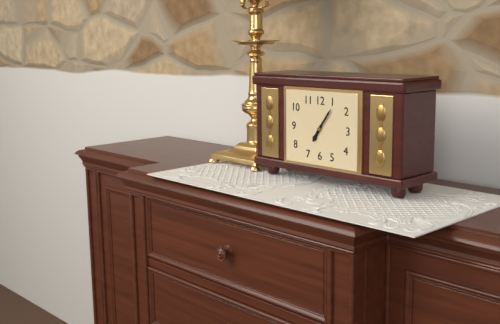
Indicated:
7.06
